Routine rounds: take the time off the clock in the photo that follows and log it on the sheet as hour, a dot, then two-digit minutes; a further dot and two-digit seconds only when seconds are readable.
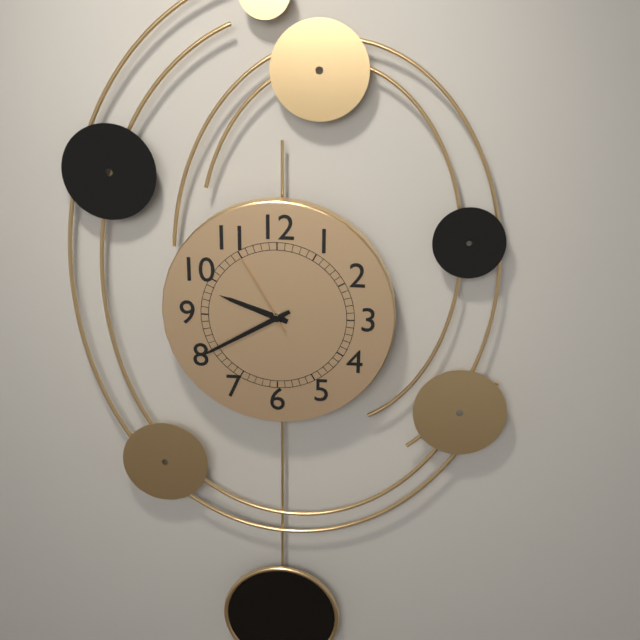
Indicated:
9.40.55
